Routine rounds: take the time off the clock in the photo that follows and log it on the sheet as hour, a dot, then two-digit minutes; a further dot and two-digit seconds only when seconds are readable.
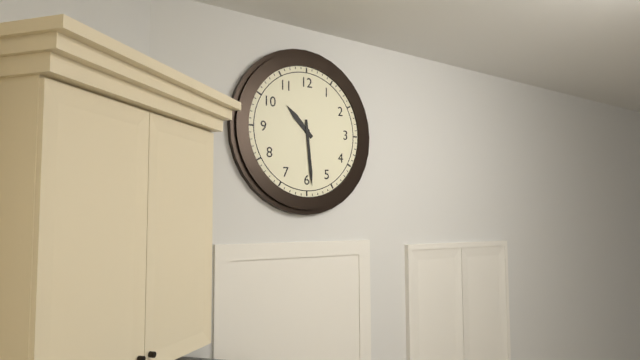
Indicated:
10.29
